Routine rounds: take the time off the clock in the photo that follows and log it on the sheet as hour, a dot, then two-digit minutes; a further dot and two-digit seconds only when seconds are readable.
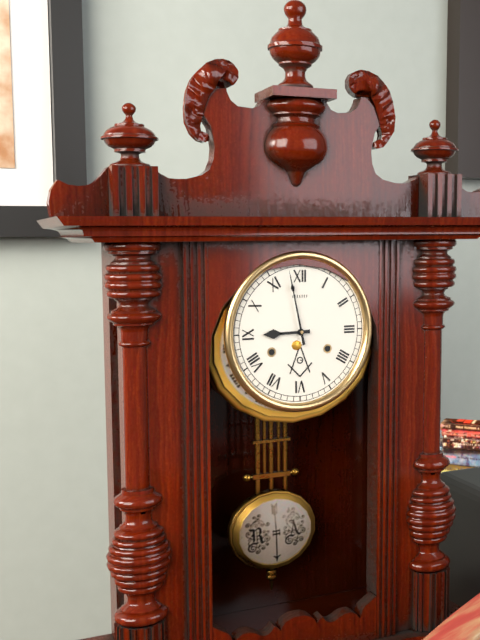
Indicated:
8.58
